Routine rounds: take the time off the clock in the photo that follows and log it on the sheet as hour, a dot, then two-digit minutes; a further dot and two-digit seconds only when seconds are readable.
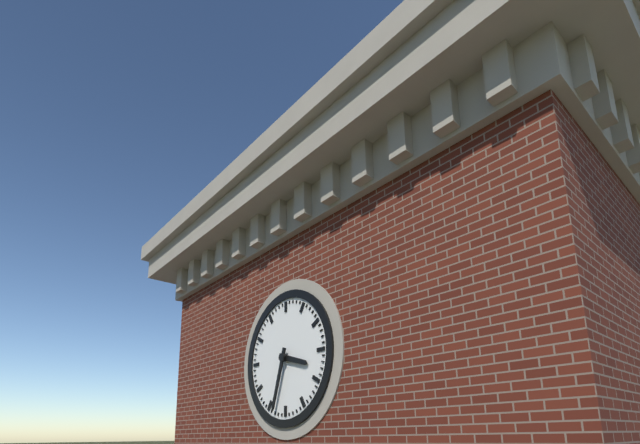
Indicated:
3.33
